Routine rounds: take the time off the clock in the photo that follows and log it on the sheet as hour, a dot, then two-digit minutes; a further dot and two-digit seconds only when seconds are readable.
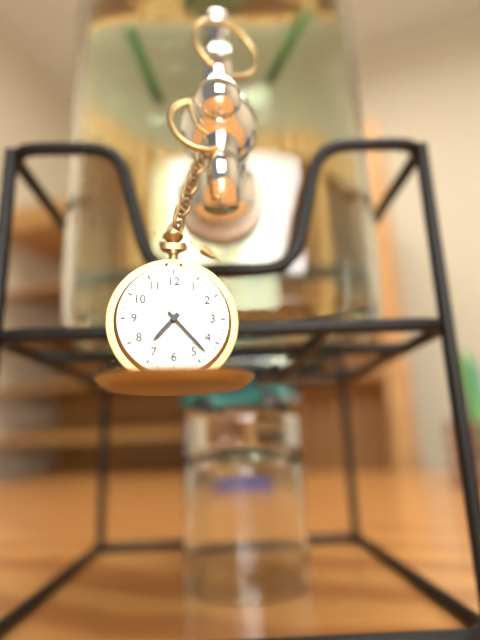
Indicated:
7.23
